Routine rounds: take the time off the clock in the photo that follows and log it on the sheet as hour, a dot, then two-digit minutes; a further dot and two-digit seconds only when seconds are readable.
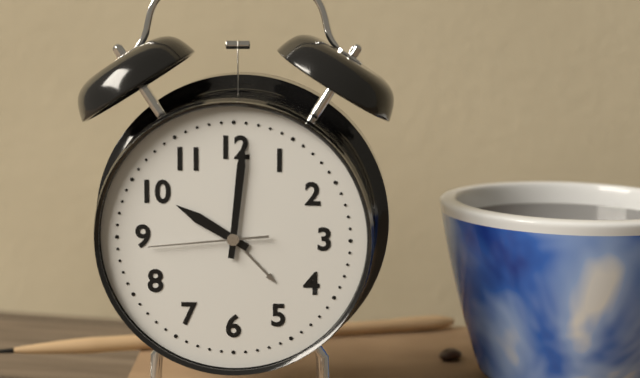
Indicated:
10.01.44
